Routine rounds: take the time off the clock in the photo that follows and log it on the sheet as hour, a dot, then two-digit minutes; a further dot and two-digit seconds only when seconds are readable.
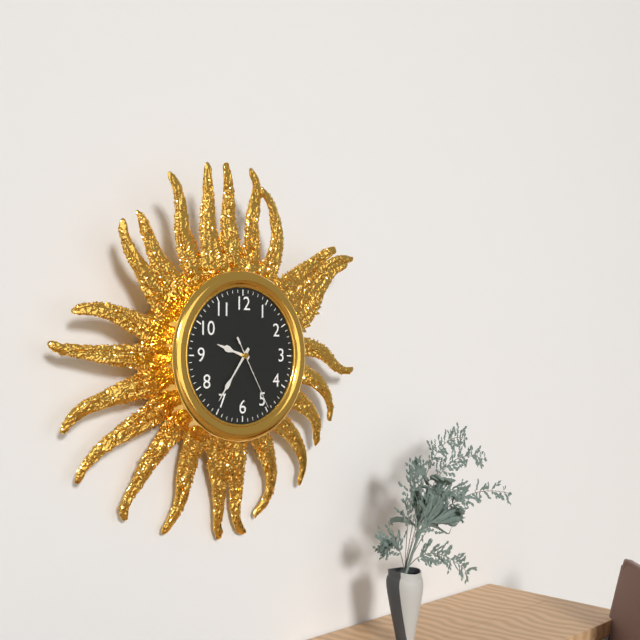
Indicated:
9.36.25
